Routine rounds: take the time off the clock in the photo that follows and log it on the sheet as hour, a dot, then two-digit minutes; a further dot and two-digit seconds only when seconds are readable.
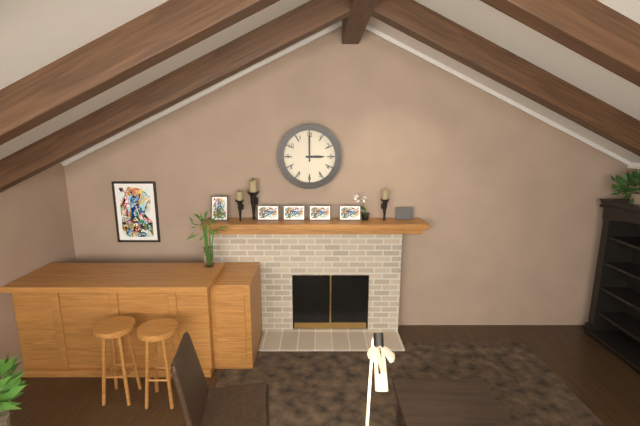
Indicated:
3.00
